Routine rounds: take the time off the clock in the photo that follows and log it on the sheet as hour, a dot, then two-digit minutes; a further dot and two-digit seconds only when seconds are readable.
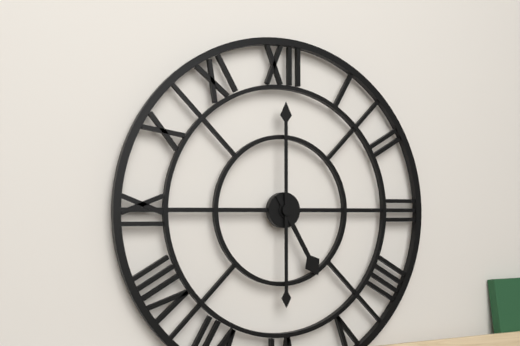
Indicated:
5.00
